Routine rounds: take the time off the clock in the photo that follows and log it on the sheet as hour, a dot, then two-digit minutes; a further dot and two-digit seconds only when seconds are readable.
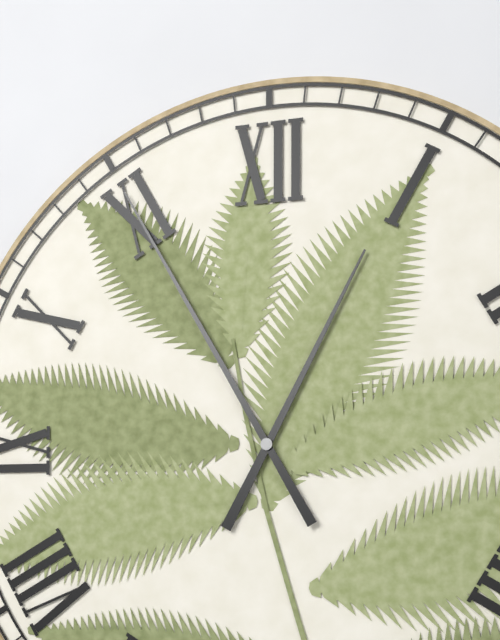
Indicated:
12.55
